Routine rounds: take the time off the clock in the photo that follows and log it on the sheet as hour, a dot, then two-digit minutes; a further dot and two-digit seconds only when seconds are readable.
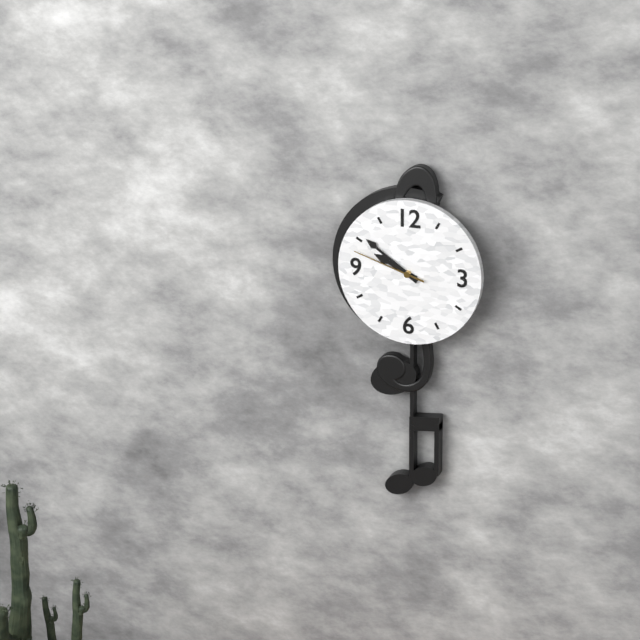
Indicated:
9.51.48
